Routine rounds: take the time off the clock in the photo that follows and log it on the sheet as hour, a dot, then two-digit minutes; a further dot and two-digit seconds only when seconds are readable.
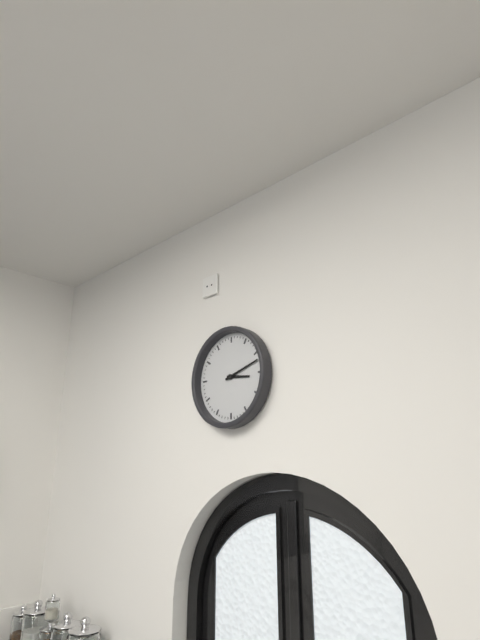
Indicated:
3.12
